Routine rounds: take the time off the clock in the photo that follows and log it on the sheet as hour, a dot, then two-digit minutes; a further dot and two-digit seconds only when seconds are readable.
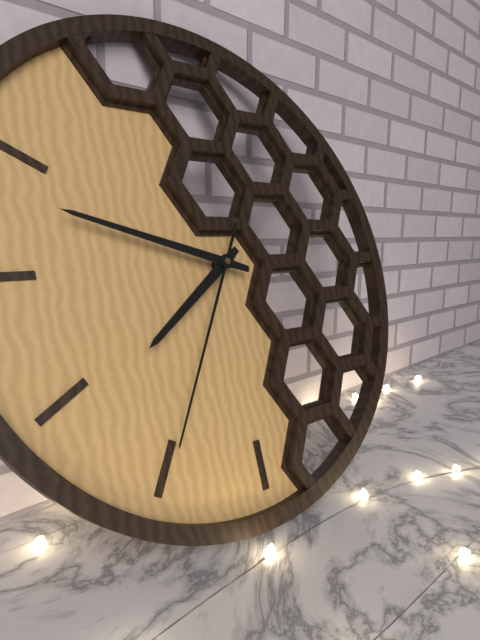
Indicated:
7.48.35
